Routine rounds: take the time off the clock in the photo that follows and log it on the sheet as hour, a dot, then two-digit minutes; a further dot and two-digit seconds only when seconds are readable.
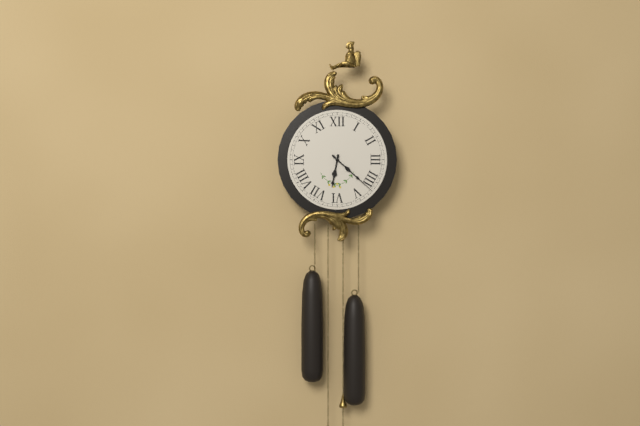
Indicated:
6.22
